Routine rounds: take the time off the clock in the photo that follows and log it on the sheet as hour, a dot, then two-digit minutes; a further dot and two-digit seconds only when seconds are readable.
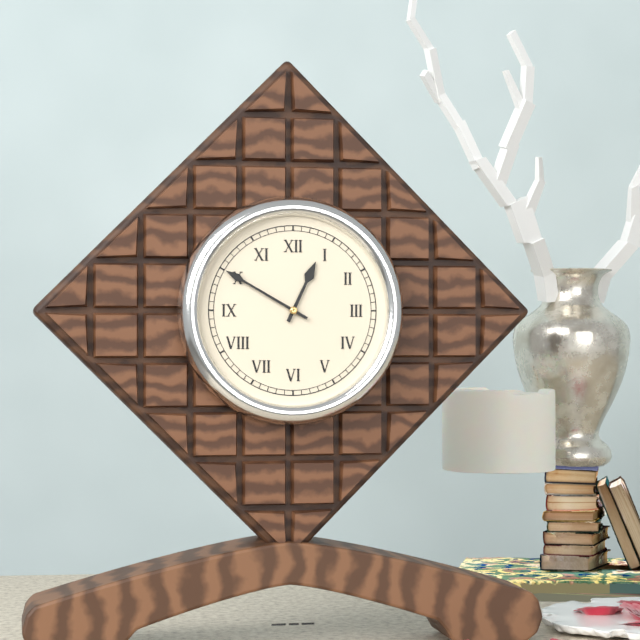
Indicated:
12.50
